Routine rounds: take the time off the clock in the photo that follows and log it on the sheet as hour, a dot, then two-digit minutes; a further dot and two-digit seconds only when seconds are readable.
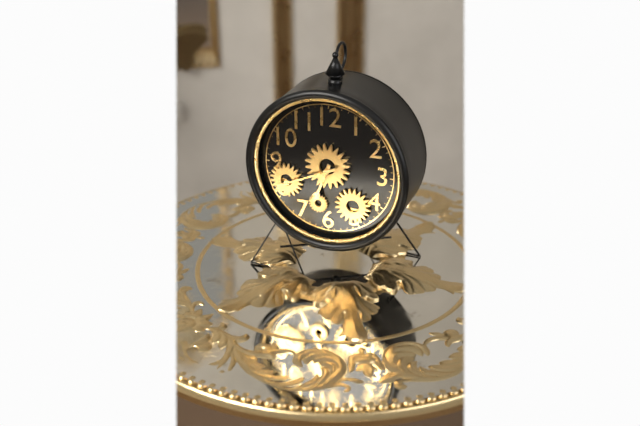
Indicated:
6.41
